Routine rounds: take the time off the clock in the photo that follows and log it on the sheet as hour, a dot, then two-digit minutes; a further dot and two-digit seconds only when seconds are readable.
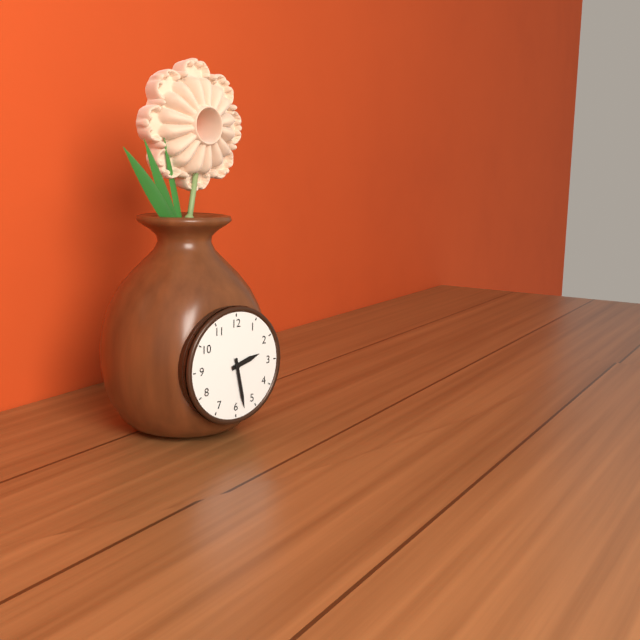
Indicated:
2.28
